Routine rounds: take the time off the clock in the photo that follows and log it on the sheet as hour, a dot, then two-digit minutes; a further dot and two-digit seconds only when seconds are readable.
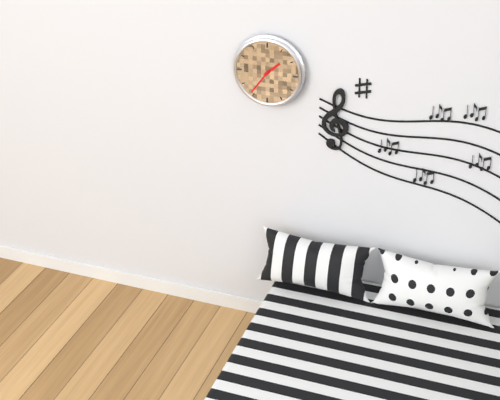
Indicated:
1.36
